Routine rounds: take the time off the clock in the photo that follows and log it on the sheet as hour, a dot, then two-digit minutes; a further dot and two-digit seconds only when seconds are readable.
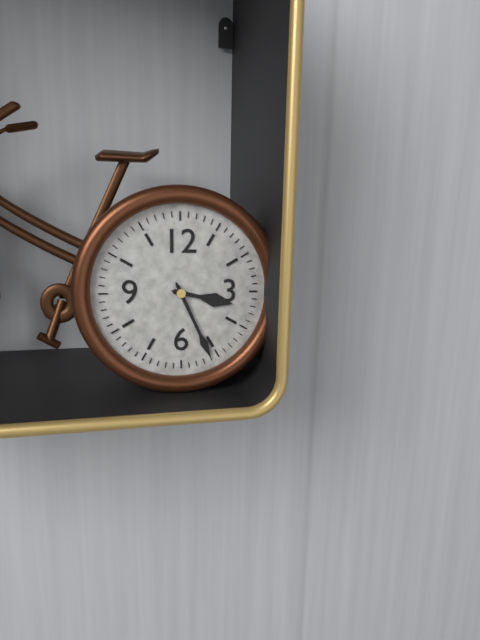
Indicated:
3.26
